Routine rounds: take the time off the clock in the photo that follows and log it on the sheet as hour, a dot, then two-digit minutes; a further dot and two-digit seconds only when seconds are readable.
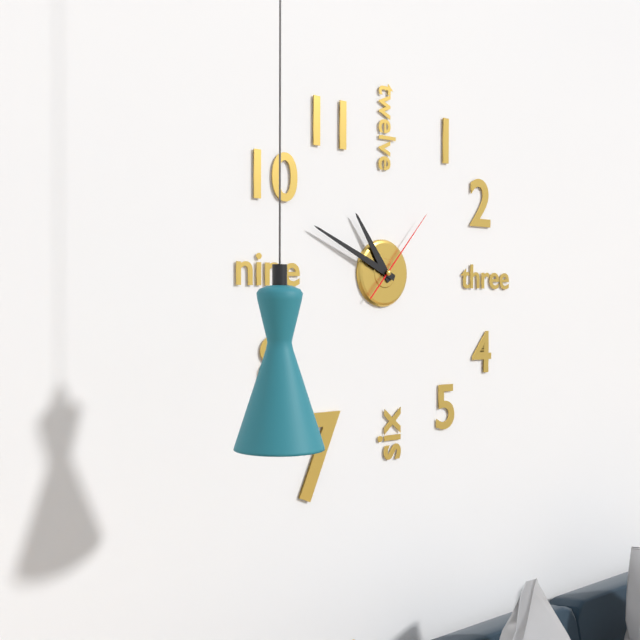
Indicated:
10.49.07
